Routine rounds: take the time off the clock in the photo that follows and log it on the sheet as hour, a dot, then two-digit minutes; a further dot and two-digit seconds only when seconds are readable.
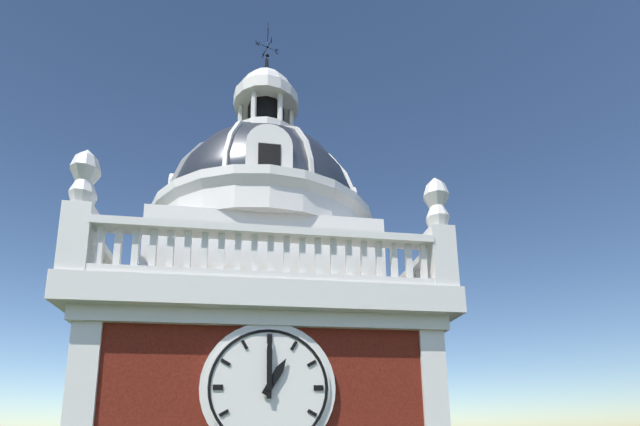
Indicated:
1.00
